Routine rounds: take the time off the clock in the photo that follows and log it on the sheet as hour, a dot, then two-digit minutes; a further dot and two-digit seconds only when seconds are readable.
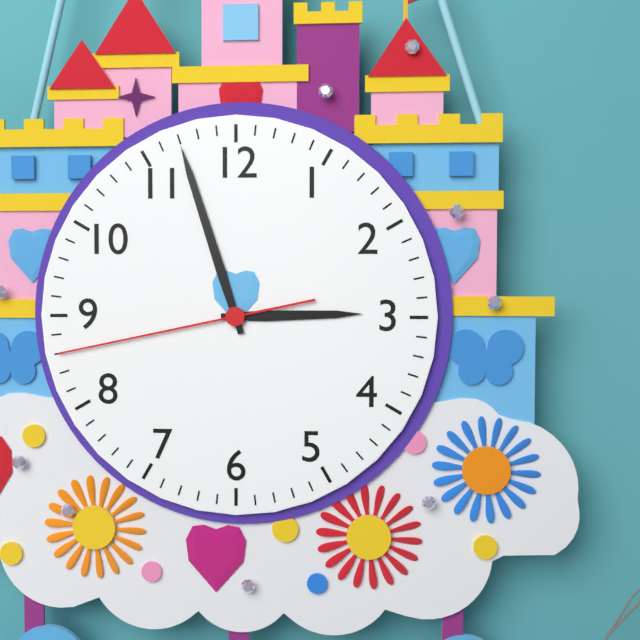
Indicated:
2.57.43
